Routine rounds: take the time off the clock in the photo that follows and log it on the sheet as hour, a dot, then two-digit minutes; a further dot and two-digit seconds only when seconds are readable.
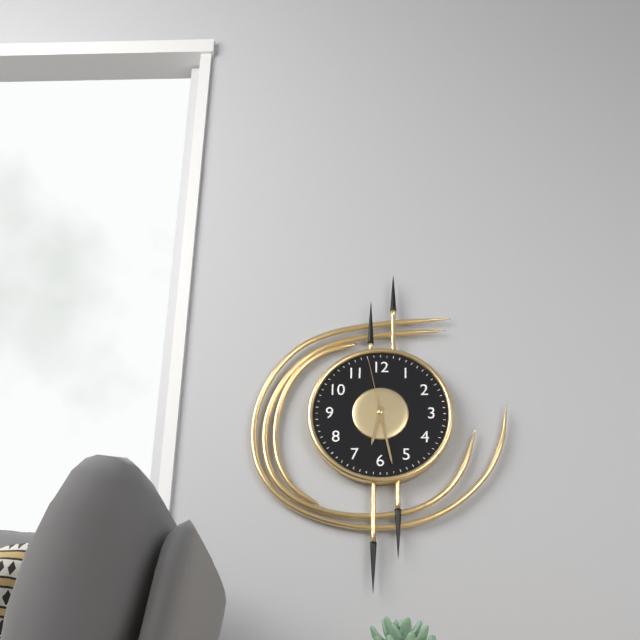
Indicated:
6.28.58
